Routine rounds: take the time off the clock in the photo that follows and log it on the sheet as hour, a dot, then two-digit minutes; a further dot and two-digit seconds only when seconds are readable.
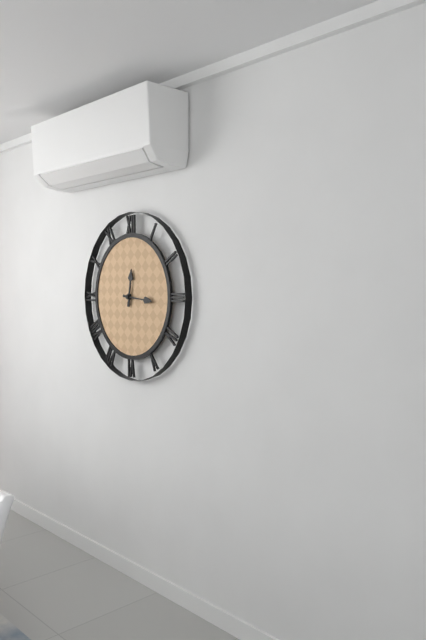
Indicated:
12.16
